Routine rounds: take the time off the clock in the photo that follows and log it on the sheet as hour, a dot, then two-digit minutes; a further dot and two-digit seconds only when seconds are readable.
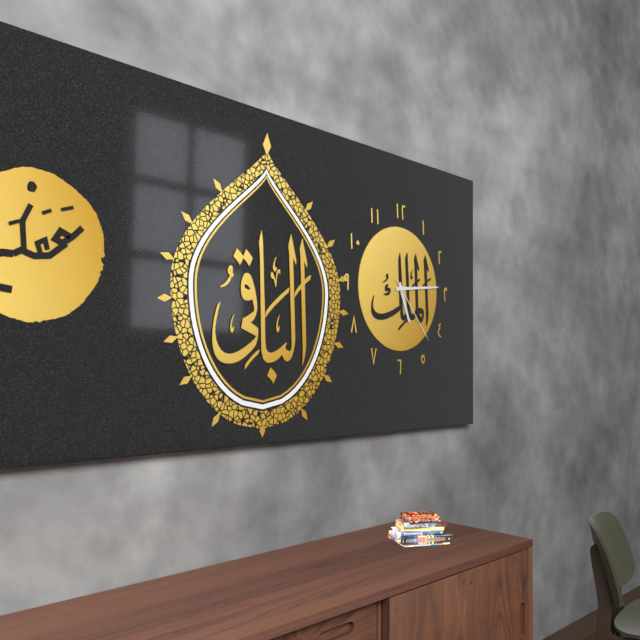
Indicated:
5.14.23
